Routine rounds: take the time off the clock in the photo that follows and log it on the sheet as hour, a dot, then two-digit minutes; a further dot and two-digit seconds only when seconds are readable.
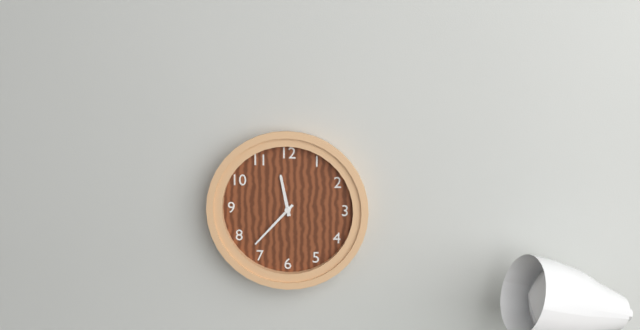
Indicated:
11.37
